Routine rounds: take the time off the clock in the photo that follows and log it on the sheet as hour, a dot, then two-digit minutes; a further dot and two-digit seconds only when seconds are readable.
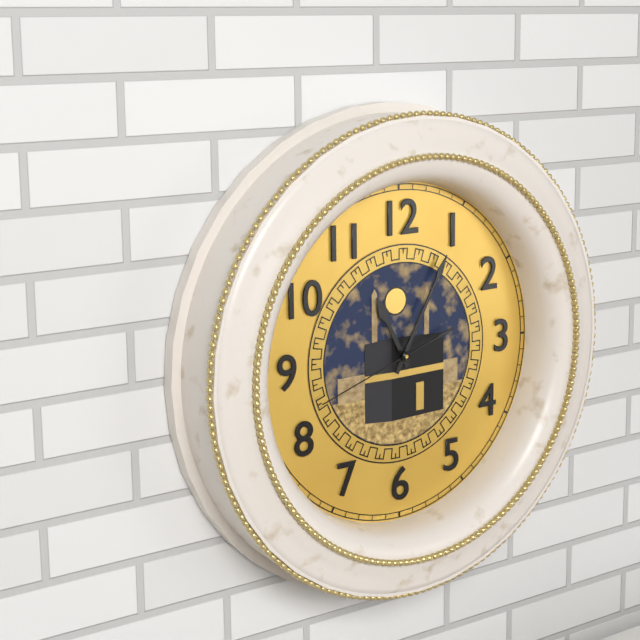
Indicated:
11.05.42
